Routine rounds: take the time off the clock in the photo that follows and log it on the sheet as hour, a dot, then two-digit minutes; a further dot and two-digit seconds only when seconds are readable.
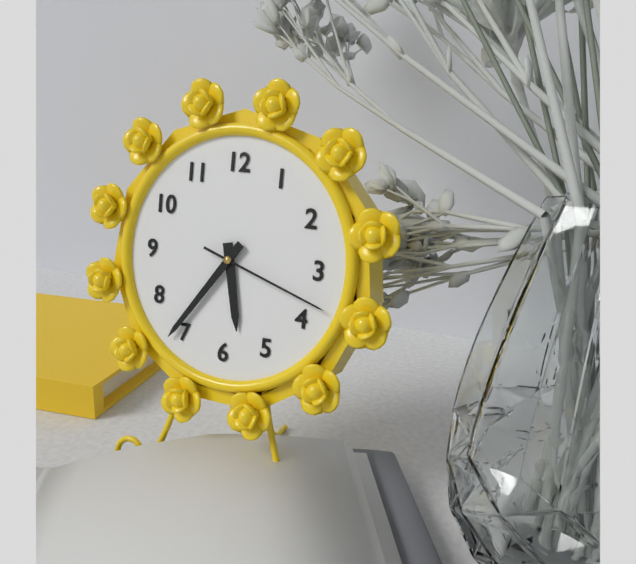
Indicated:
5.36.18
